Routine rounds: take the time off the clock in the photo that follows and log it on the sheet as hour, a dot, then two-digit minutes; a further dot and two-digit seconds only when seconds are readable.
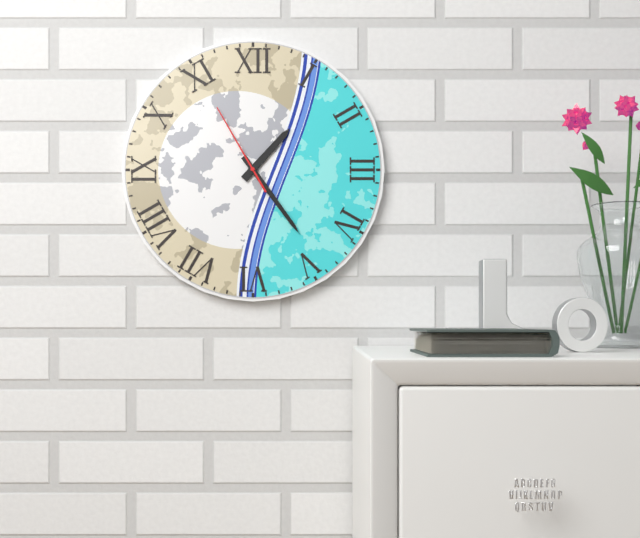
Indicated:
1.24.55
